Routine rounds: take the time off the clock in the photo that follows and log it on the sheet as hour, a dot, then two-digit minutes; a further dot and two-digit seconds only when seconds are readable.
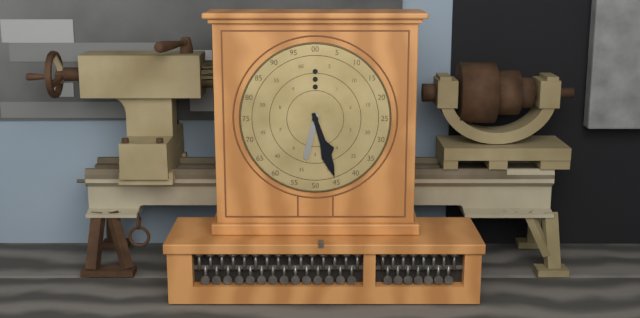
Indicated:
6.27
